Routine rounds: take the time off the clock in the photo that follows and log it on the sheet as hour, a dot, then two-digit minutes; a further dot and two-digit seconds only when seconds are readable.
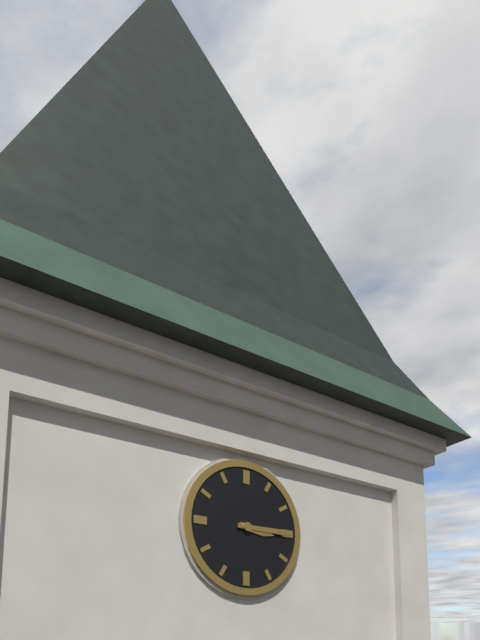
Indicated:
3.15
